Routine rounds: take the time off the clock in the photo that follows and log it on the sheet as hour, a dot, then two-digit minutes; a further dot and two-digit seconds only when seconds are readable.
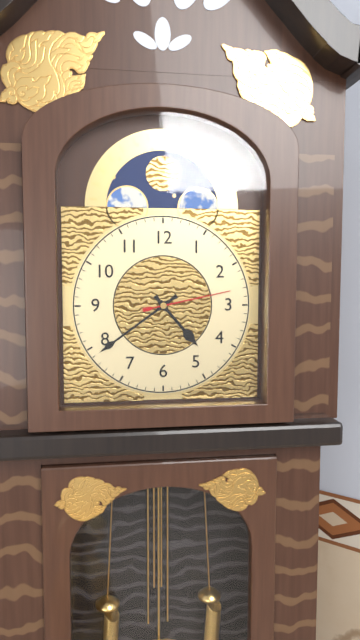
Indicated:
4.39.13
